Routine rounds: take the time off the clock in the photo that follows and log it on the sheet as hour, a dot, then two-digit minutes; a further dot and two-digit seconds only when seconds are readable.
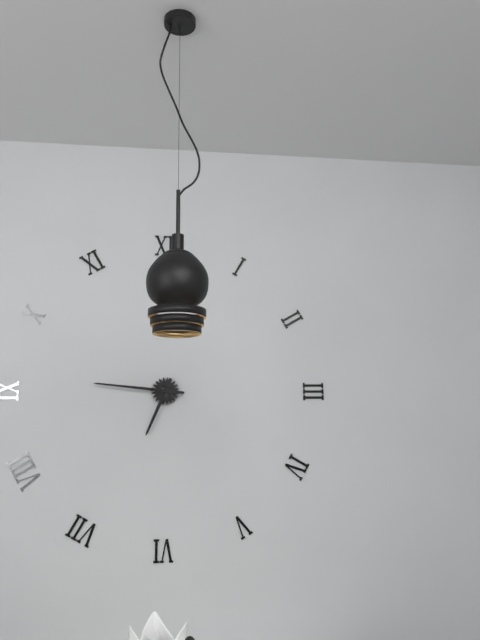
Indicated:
6.46
